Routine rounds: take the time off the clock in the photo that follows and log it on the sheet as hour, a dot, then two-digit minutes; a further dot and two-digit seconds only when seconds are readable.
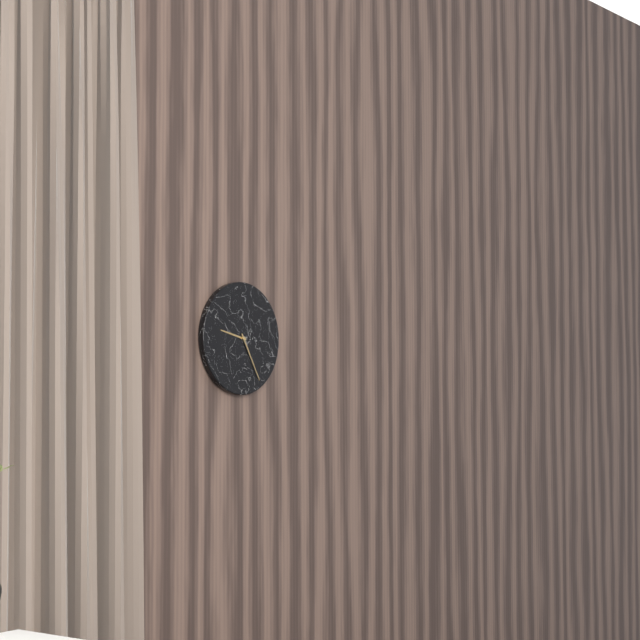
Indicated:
9.25
